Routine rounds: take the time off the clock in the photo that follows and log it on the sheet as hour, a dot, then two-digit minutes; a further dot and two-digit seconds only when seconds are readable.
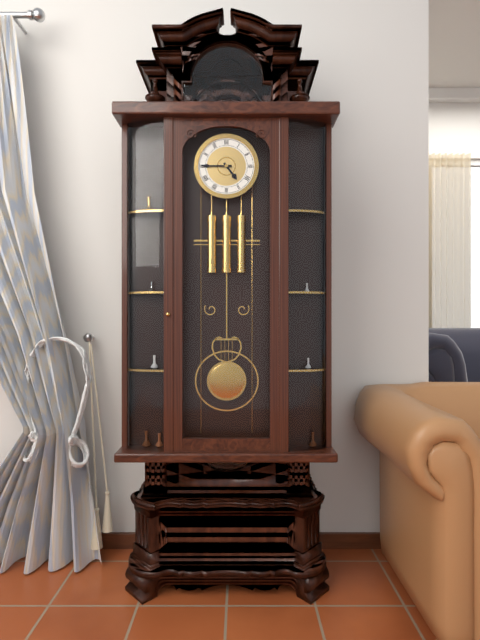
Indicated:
4.45
